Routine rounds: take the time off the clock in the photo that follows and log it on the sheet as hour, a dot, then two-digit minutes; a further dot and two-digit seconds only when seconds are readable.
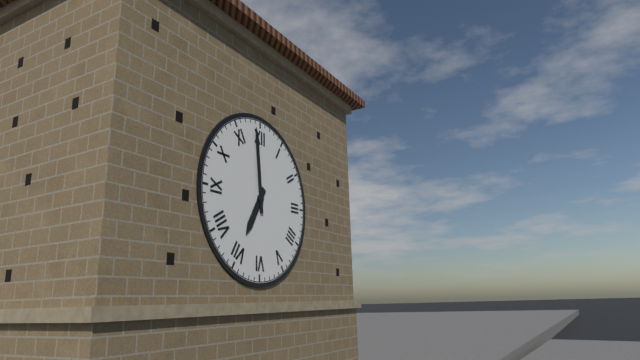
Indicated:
6.59
